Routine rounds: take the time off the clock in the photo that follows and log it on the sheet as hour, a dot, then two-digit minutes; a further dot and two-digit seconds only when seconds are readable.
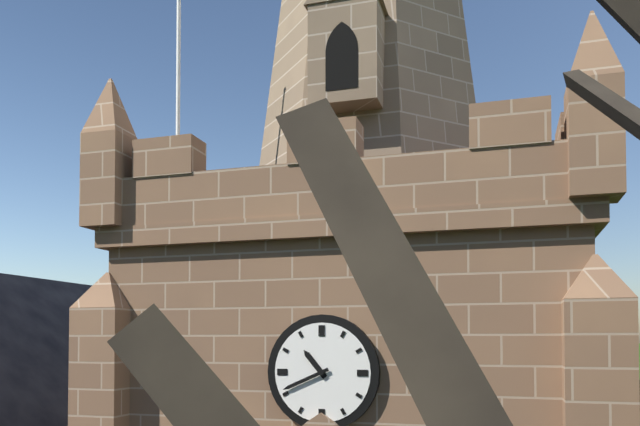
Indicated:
10.41
